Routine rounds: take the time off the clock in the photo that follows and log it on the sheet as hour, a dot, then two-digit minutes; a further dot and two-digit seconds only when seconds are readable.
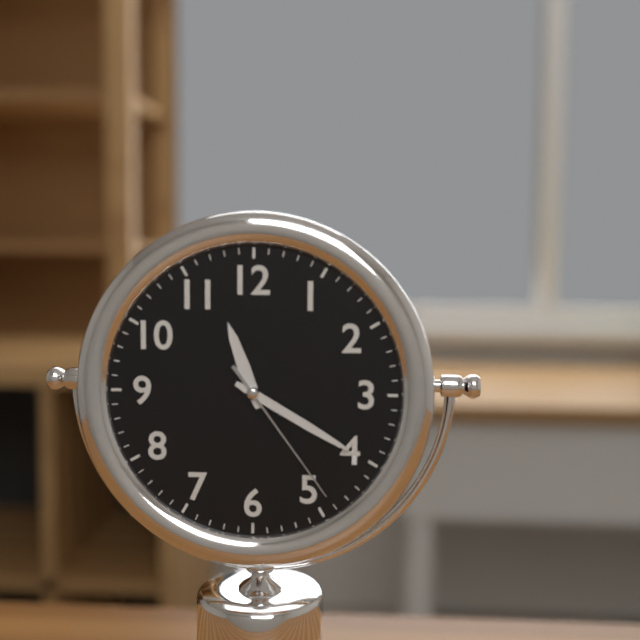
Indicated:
11.20.24
